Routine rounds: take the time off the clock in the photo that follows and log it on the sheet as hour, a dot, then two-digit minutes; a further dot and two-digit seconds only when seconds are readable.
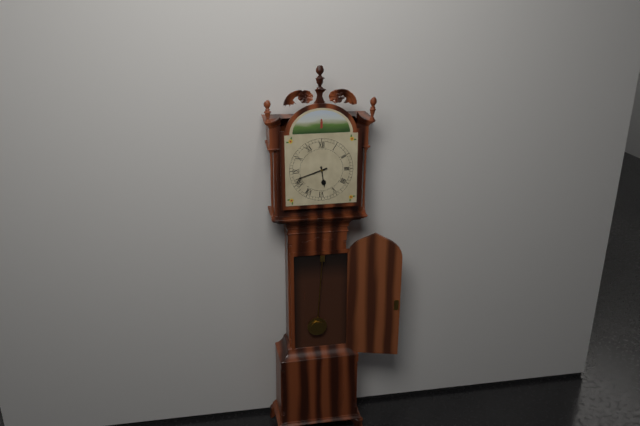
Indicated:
5.42
